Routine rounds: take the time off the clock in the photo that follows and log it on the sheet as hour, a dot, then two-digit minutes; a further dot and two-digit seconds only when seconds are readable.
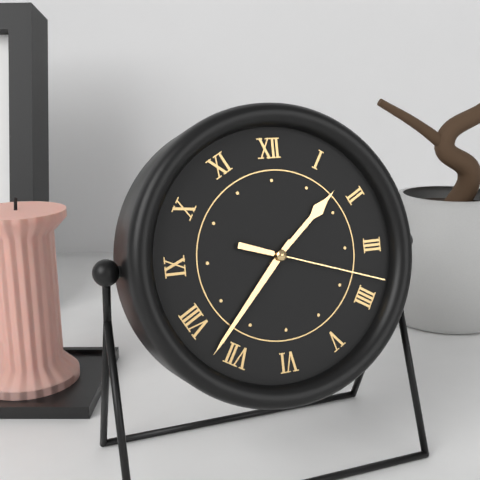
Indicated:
1.37.18
